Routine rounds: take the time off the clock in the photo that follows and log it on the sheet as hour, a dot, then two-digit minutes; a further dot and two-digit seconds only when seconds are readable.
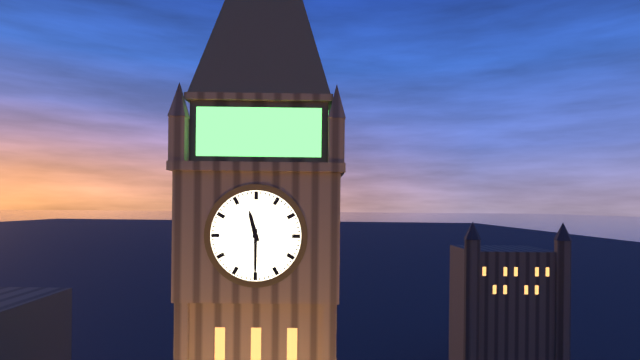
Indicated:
11.30
